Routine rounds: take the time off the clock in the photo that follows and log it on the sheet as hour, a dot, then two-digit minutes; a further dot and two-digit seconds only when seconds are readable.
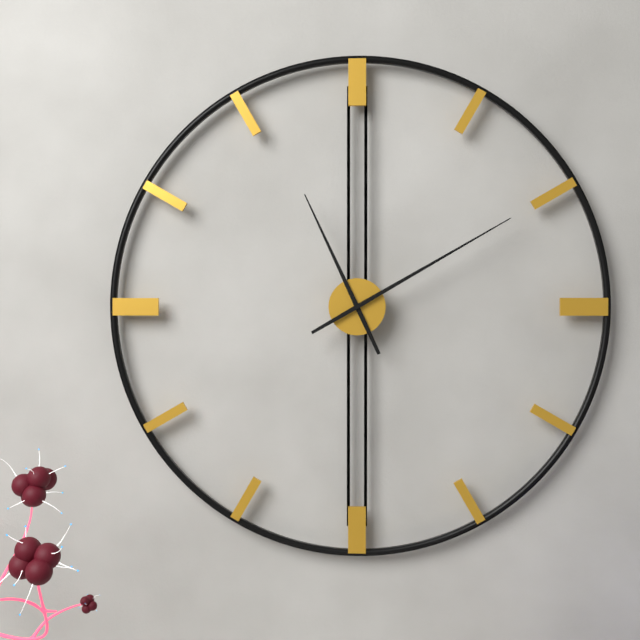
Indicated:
11.10
